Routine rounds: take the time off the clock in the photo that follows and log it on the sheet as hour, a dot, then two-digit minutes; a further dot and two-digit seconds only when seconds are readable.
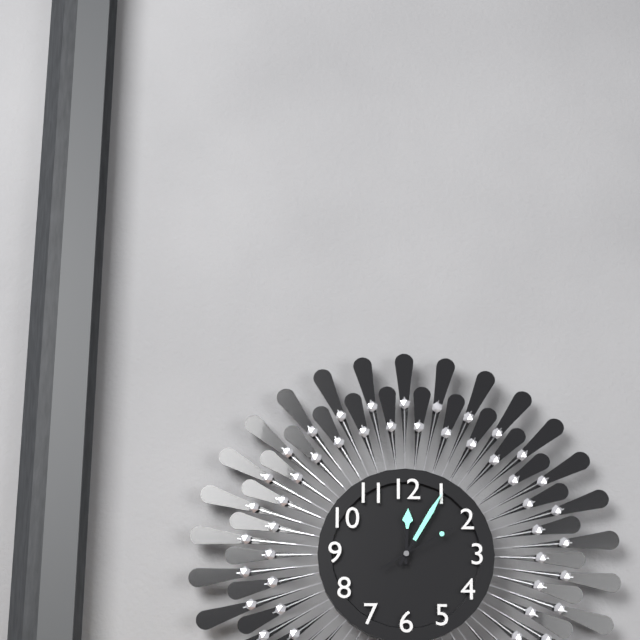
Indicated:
12.05.10
